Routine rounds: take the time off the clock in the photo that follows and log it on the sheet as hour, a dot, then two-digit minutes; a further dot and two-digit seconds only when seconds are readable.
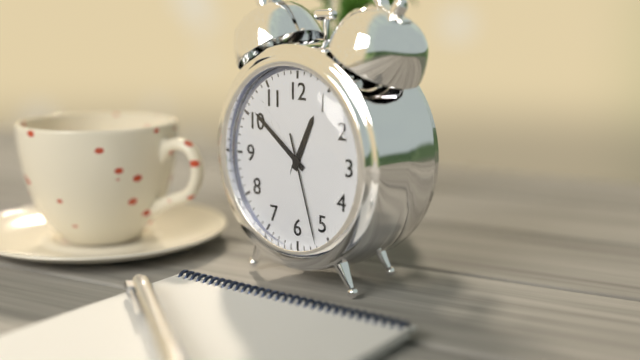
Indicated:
12.51.27
